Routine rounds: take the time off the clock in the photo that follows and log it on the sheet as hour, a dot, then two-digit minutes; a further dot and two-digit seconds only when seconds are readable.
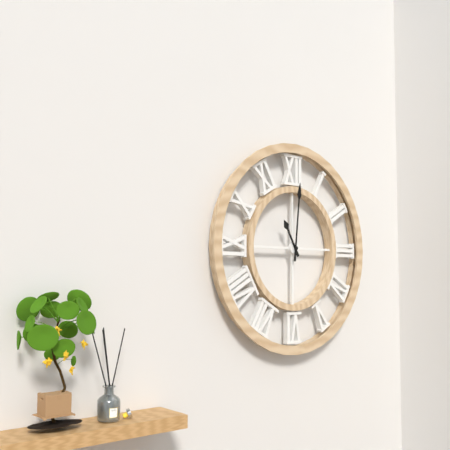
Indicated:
11.01
